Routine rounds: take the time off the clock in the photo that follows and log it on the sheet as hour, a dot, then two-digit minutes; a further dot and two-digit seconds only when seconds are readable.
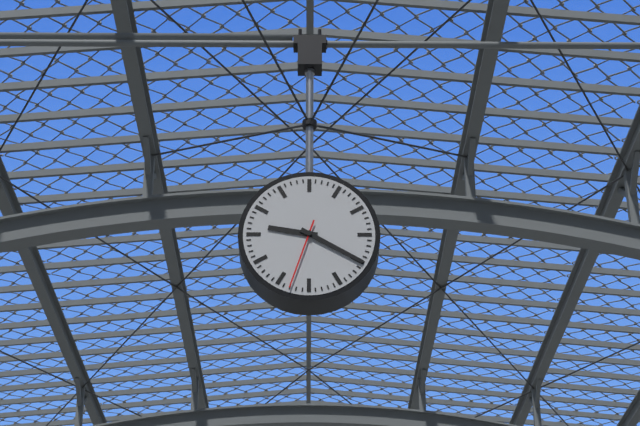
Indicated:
9.20.33
